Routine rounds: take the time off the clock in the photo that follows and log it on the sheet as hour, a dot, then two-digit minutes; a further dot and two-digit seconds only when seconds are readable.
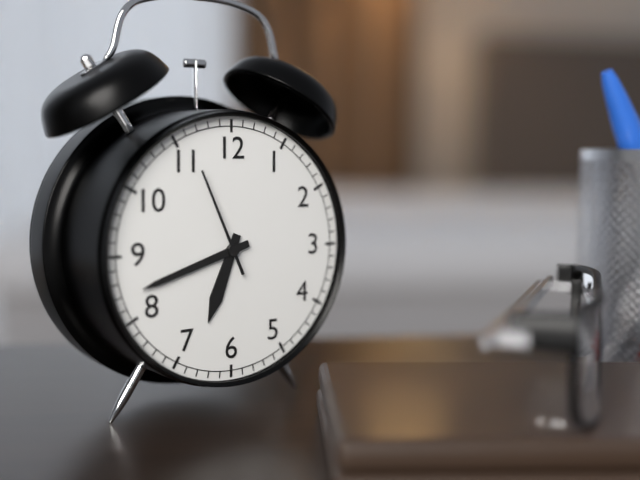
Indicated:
6.42.56
